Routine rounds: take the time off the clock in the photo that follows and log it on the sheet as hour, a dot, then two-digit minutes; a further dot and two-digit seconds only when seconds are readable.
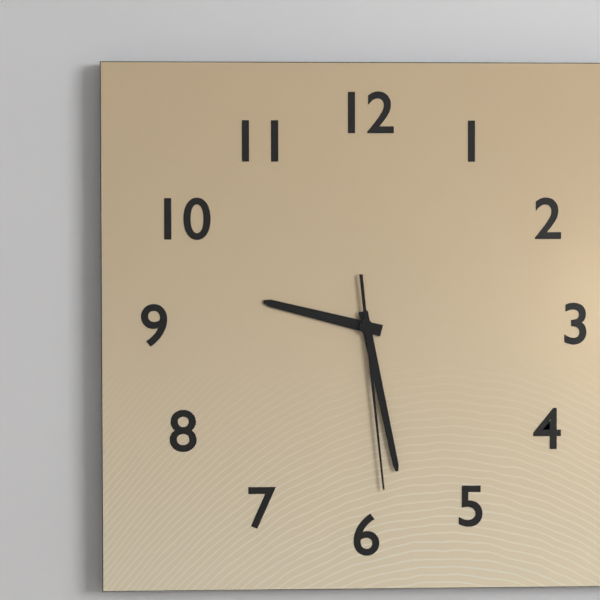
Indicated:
9.28.29
